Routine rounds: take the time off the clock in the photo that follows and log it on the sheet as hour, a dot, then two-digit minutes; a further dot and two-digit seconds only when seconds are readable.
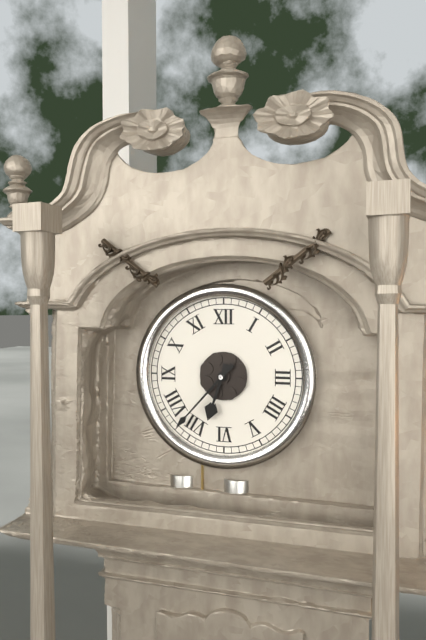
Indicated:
6.37
